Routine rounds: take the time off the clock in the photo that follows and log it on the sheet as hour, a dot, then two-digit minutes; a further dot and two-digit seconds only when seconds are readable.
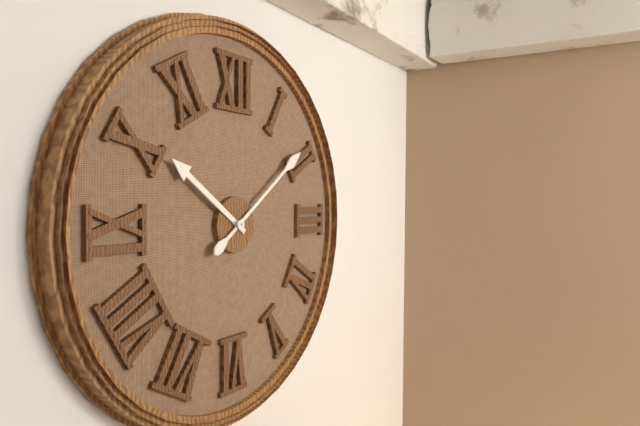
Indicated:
10.09
